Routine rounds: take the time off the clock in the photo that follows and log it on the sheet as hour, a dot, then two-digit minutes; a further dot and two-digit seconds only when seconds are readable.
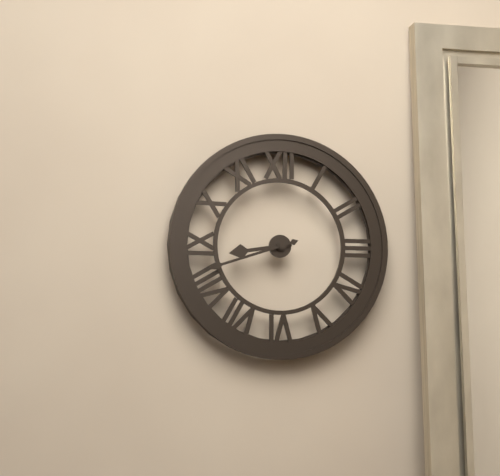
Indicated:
8.42
